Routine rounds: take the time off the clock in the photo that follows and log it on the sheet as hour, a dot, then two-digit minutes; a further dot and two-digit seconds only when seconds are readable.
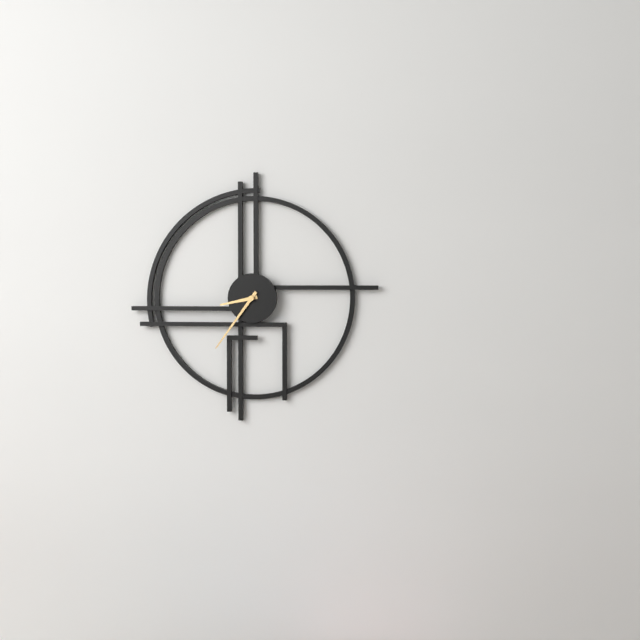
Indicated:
8.36
